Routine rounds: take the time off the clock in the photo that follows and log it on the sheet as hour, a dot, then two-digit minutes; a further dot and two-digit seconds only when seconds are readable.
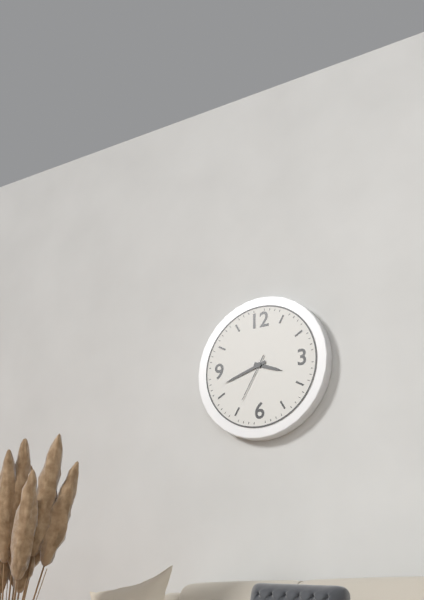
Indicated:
3.42
